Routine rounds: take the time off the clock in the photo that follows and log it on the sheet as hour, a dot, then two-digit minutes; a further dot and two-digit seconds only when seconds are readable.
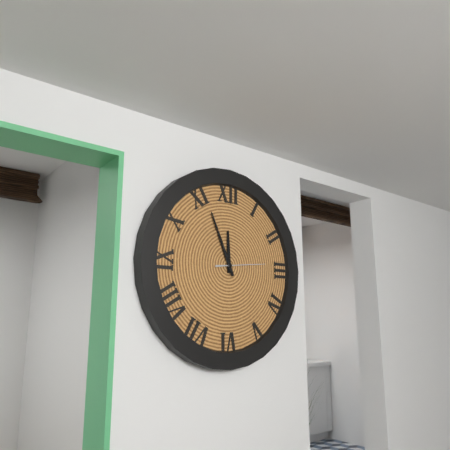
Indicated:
11.56.14
